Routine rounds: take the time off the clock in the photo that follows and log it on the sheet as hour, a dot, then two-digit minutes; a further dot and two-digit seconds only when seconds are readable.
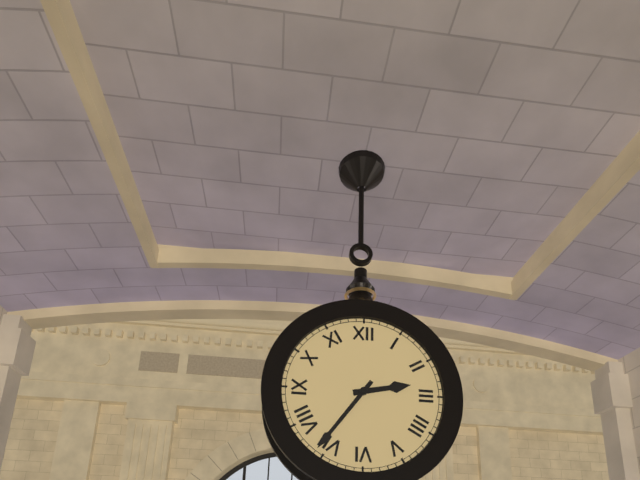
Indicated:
2.36
